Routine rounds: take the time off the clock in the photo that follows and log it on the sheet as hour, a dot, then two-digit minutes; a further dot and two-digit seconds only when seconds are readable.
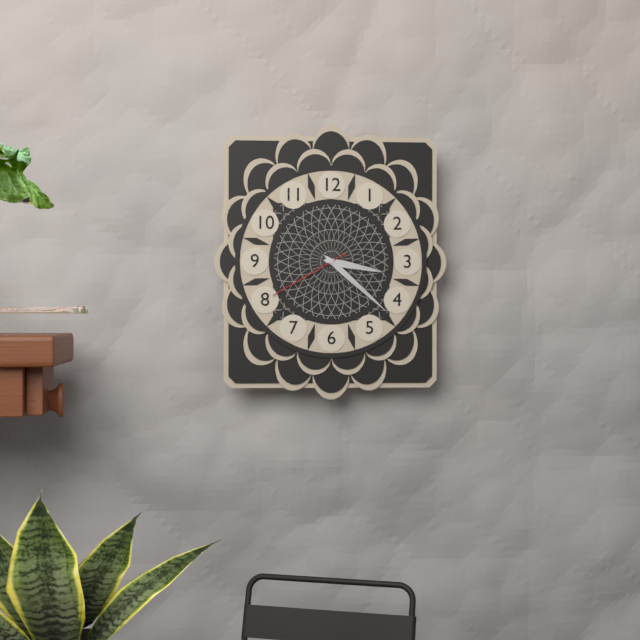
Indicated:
3.22.40
